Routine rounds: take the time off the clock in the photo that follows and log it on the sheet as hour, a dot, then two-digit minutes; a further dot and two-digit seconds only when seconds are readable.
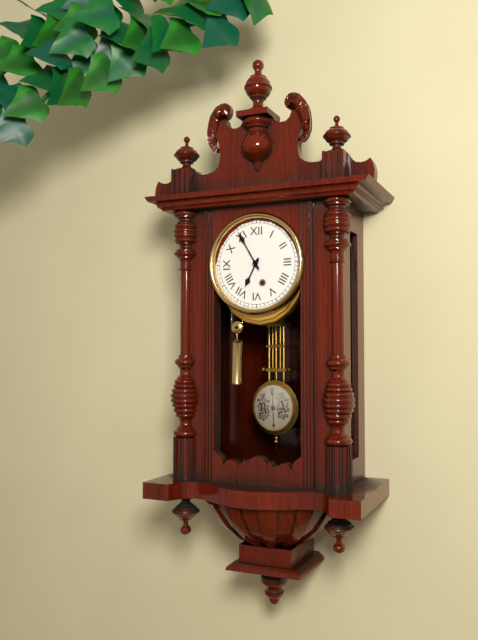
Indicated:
6.55
